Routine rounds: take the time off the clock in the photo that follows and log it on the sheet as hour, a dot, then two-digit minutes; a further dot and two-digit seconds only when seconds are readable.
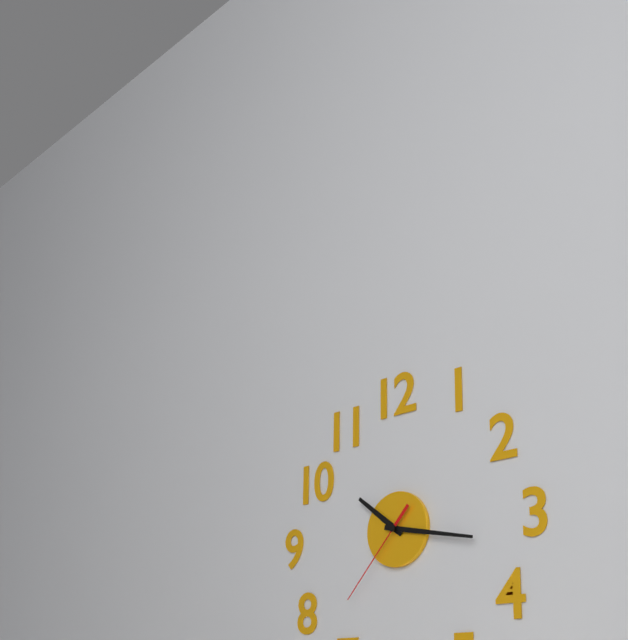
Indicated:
10.17.37
